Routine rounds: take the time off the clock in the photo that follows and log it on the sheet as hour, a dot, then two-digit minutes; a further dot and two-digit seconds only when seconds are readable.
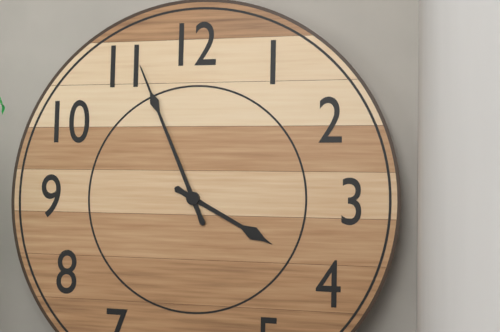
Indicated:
3.56
